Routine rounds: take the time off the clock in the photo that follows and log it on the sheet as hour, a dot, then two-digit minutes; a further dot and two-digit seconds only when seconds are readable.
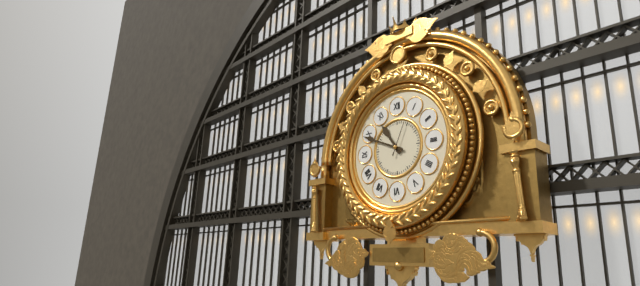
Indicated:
10.49
